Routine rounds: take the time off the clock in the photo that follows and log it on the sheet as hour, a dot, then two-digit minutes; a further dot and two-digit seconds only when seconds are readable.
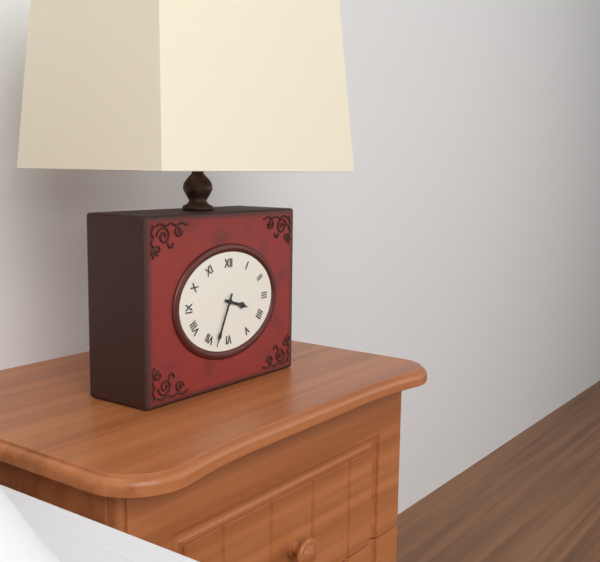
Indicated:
3.34
